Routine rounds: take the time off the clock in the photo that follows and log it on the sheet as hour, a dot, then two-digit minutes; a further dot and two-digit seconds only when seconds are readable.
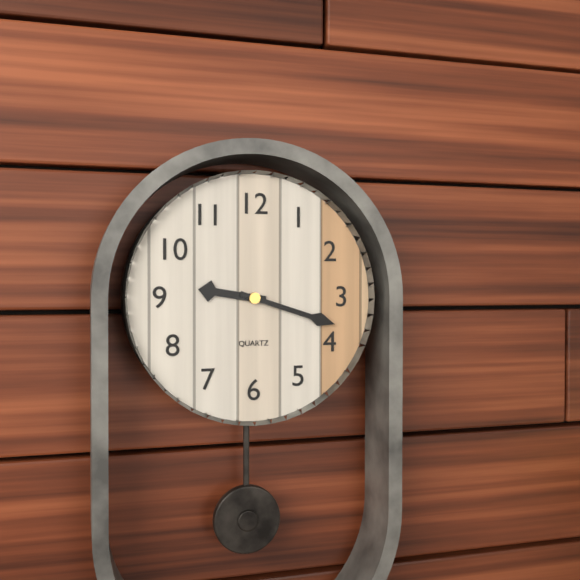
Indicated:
9.18
